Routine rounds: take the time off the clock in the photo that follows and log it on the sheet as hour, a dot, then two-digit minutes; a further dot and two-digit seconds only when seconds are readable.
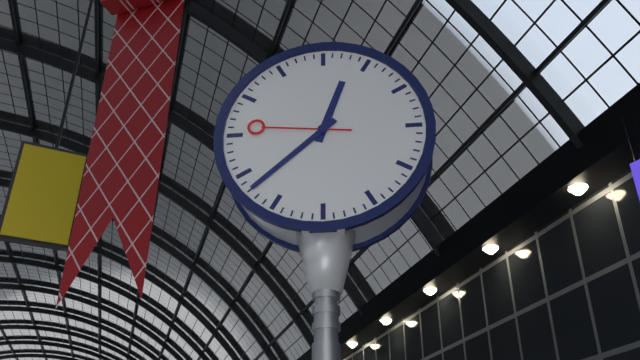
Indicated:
12.38.46
